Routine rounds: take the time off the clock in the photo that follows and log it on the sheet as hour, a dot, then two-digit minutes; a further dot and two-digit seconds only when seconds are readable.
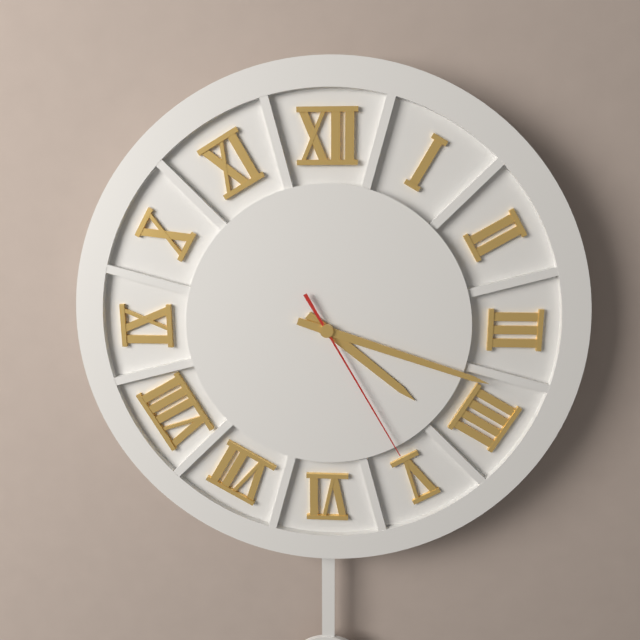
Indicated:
4.18.25
